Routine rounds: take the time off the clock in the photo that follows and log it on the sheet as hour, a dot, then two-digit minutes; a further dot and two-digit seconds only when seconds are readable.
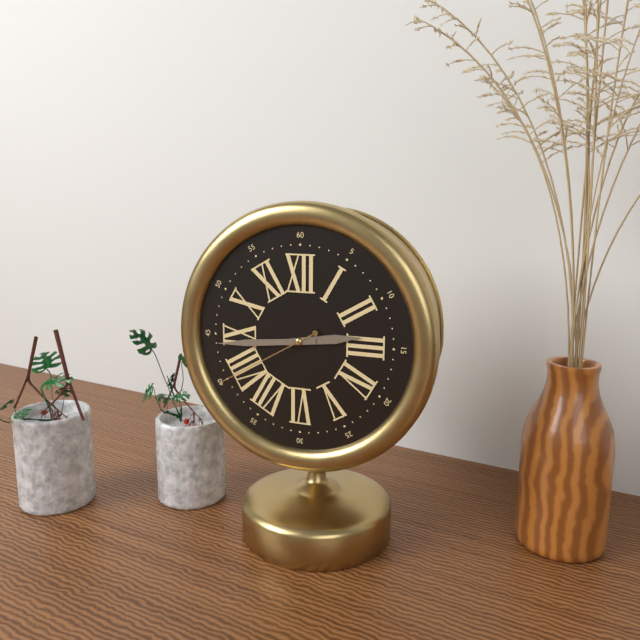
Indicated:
2.44.40
